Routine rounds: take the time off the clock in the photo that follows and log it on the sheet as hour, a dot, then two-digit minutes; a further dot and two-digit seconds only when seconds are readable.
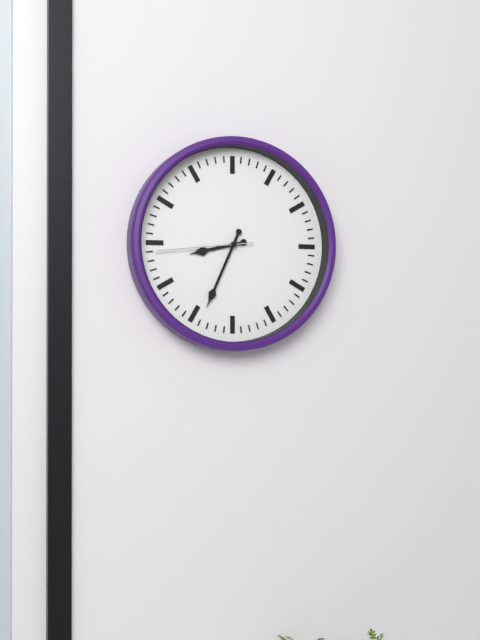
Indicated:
8.34.44
